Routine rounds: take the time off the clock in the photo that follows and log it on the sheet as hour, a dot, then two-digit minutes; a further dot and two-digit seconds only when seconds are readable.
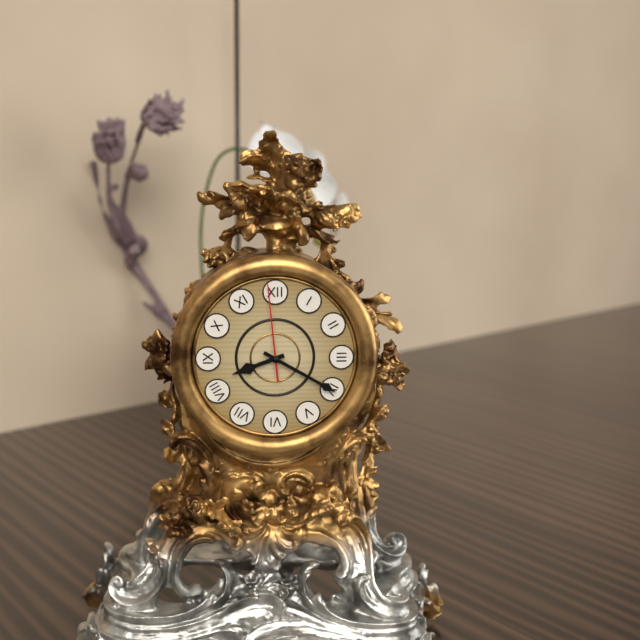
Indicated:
8.20.59
